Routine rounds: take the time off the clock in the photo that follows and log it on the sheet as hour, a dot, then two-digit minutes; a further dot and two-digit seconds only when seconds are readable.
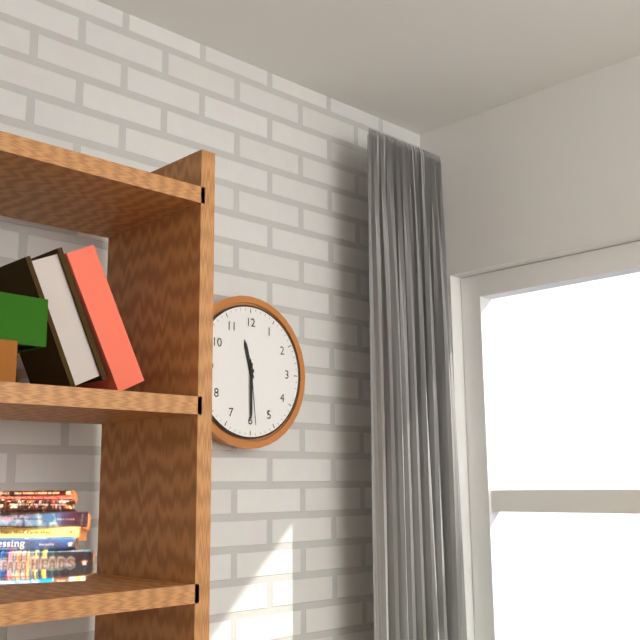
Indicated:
11.30.29
